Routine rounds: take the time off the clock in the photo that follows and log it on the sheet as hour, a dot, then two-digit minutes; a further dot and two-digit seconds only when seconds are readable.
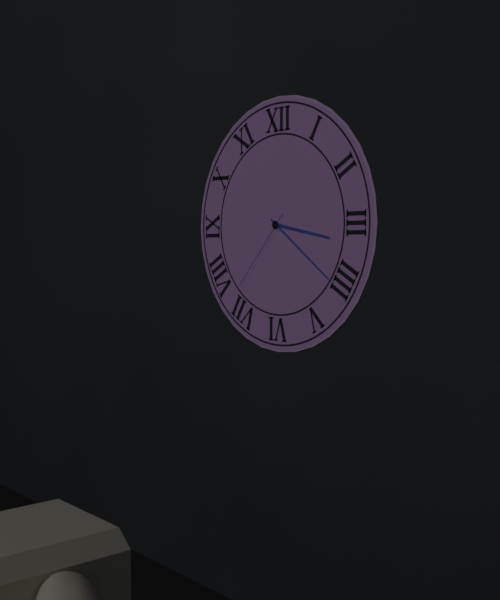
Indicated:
3.21.37
